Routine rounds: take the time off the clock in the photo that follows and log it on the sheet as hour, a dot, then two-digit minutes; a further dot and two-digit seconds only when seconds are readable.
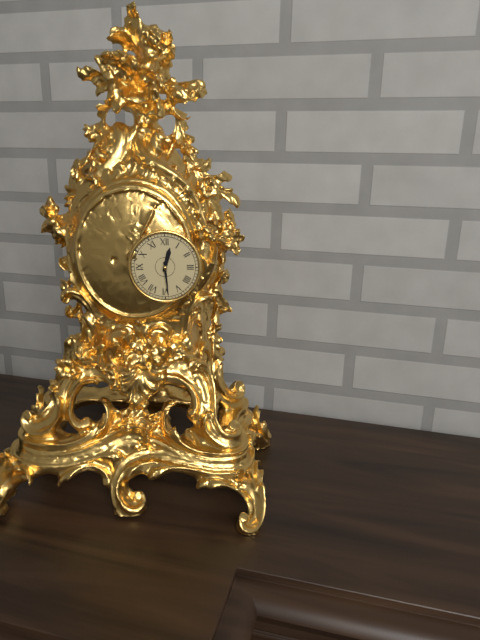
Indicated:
12.29
